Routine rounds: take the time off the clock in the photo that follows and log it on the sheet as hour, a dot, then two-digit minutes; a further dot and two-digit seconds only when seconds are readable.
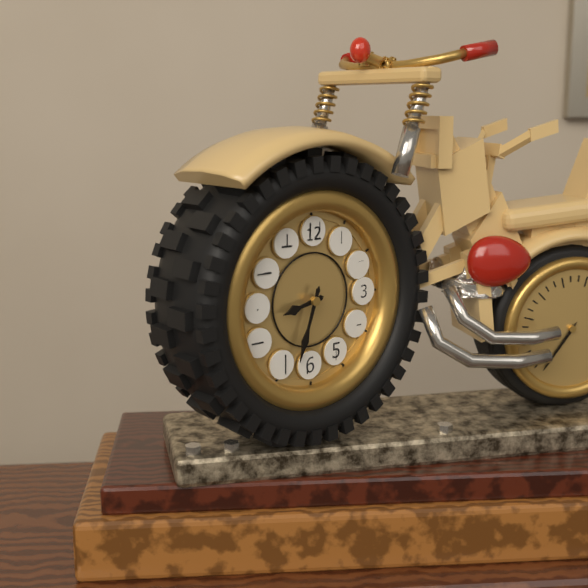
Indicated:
8.33
